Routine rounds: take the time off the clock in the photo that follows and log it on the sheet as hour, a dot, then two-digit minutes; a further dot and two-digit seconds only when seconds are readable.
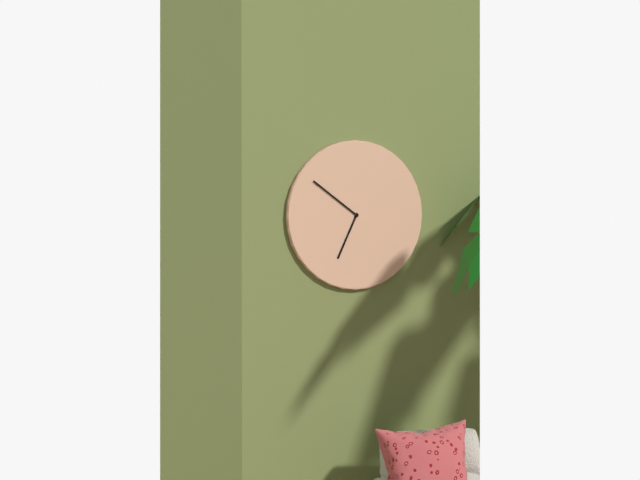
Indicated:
6.51
